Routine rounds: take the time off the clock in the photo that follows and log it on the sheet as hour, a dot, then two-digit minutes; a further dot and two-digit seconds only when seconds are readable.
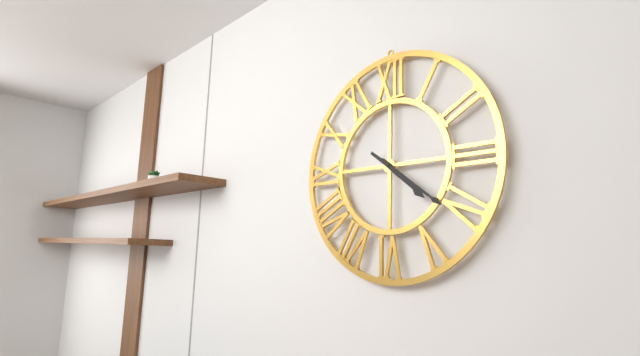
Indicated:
4.21
